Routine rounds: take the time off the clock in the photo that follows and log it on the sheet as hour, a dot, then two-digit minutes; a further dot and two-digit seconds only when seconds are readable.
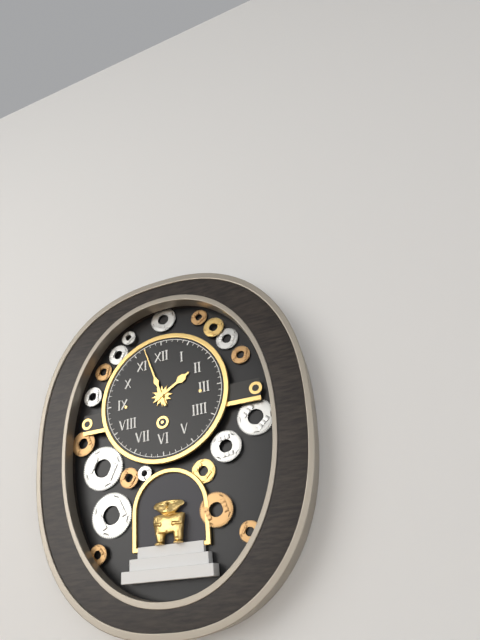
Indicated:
1.57
